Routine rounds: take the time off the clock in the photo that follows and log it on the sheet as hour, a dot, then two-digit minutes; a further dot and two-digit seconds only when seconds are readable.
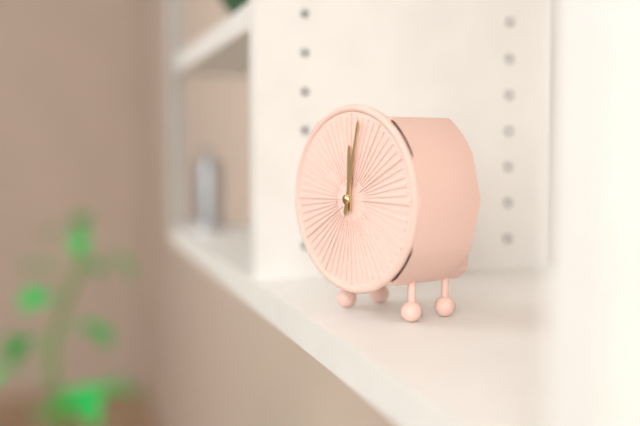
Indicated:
12.02
